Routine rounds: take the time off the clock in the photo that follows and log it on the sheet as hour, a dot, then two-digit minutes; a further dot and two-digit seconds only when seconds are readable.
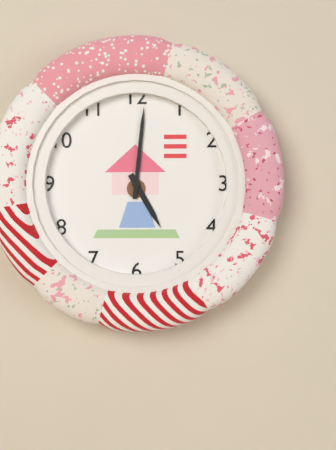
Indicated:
5.01
